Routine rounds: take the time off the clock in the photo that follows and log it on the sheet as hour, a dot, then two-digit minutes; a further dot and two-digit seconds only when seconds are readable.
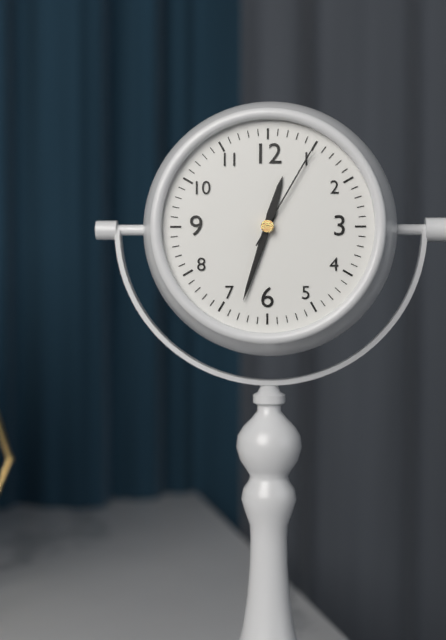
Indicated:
12.33.05
